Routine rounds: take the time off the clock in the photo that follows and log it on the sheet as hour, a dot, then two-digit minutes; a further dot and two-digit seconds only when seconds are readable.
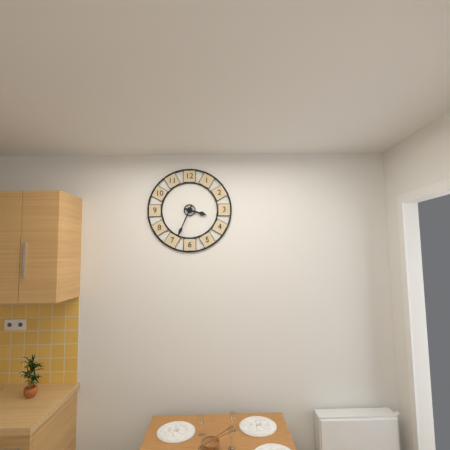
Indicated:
3.34
